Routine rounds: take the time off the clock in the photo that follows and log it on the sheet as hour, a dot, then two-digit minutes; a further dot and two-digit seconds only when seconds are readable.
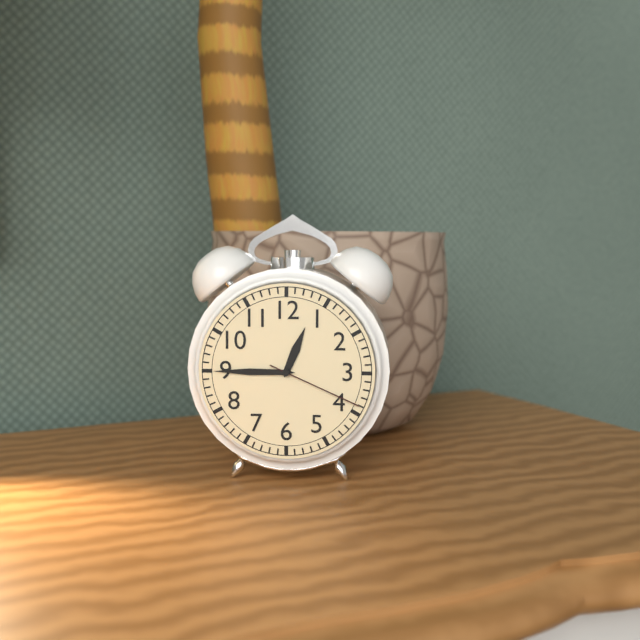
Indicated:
12.45.19
